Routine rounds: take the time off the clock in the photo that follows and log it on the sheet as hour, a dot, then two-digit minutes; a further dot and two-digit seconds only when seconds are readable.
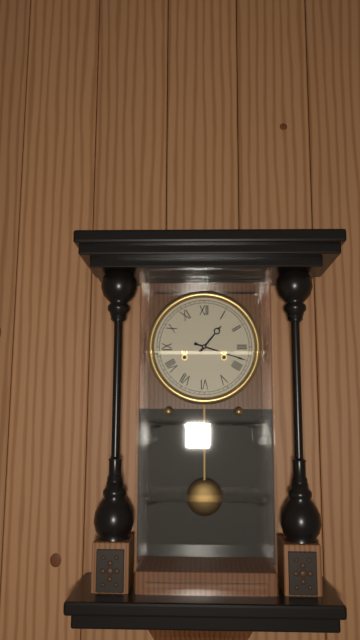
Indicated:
1.18
